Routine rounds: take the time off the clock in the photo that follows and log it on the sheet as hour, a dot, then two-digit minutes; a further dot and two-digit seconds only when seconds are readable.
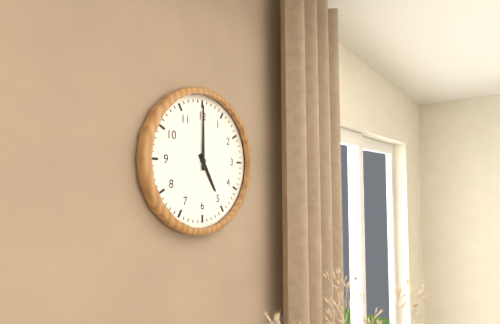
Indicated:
5.00
